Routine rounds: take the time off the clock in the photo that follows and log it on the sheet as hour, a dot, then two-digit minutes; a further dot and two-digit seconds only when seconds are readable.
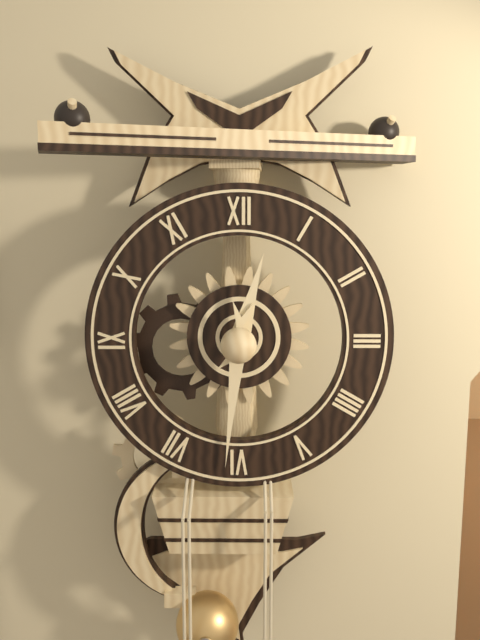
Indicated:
12.31
